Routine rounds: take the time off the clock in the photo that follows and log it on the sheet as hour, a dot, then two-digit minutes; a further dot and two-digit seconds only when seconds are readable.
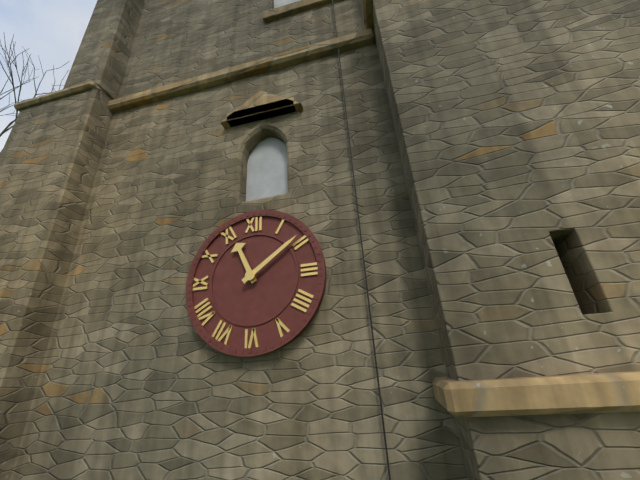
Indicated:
11.09
